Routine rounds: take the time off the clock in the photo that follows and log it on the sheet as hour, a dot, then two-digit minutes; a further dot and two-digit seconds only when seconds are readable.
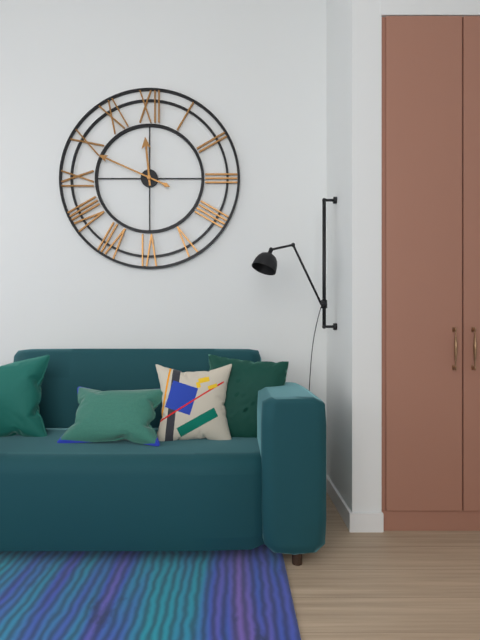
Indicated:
11.49
